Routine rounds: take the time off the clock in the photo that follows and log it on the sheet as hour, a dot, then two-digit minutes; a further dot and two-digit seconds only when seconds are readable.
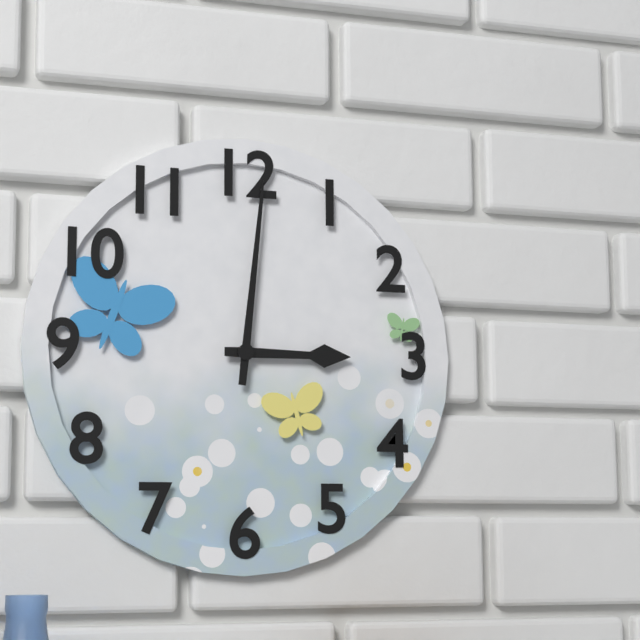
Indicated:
3.01
